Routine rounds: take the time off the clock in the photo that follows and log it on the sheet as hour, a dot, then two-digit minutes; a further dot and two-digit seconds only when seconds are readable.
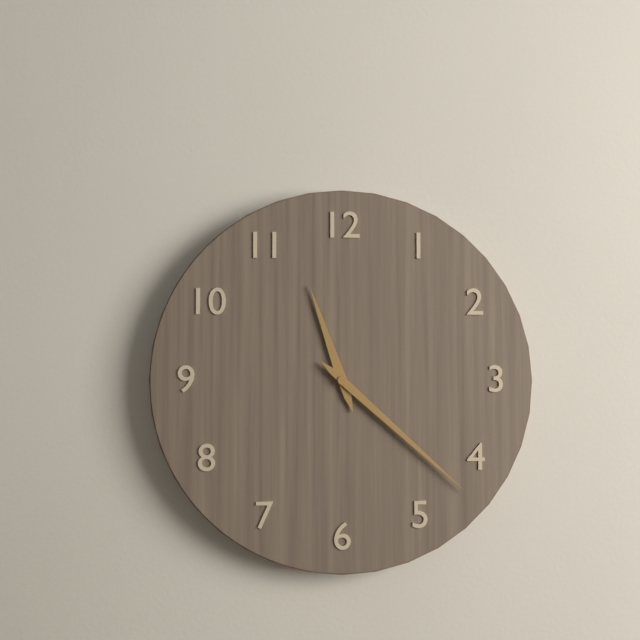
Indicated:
11.22
